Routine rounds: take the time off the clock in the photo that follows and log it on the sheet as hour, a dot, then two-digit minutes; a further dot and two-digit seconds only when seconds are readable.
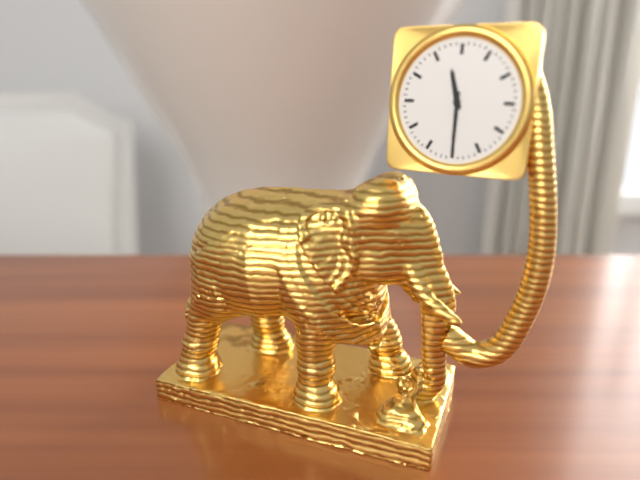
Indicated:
11.30
